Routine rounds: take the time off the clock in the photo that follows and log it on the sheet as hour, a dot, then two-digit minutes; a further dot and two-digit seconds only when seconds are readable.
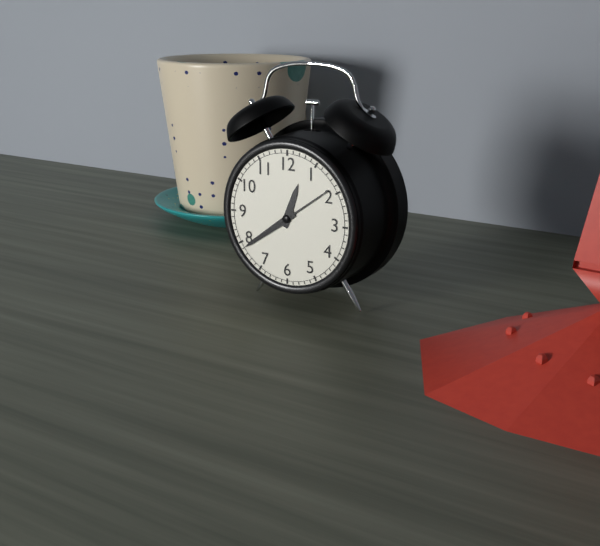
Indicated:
12.39.09
